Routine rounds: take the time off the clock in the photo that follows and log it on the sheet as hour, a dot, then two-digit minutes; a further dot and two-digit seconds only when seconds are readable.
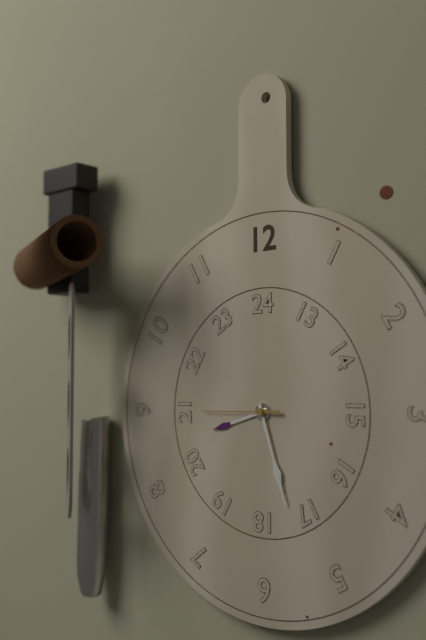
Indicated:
8.27.45
